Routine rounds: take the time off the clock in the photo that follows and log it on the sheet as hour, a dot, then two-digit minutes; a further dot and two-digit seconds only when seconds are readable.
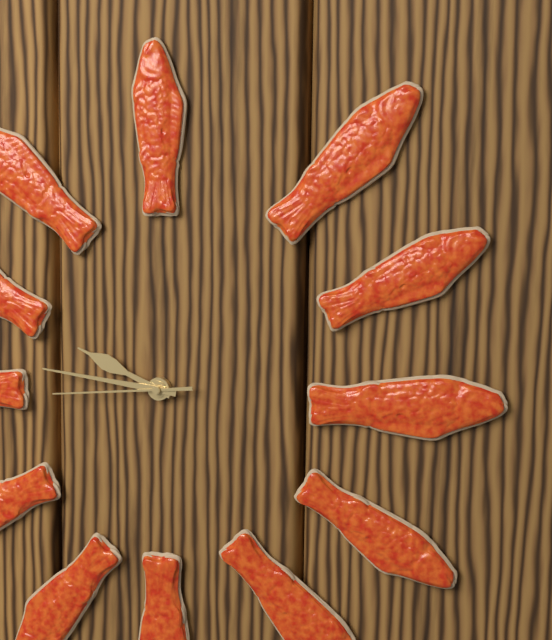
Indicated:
9.46.44
